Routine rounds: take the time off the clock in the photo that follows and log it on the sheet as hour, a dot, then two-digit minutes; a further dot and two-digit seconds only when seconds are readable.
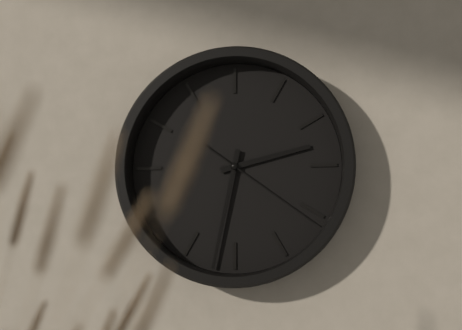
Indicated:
2.32.21
